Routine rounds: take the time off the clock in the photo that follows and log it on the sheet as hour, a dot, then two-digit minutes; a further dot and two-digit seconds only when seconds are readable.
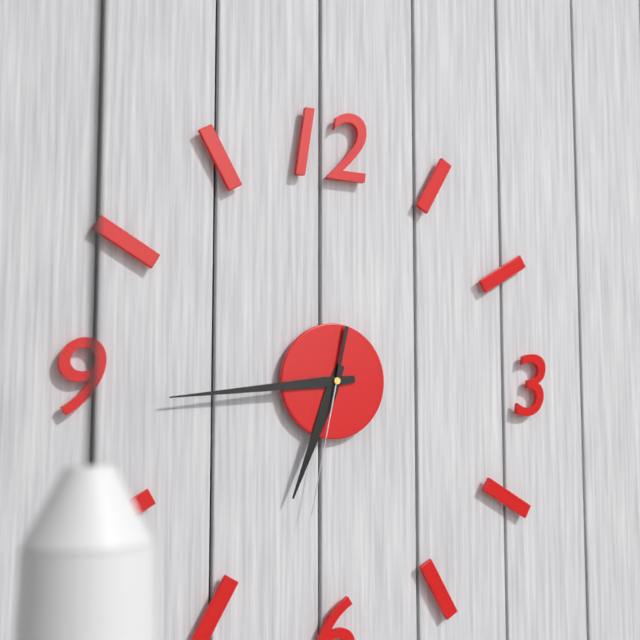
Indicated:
6.44.32
